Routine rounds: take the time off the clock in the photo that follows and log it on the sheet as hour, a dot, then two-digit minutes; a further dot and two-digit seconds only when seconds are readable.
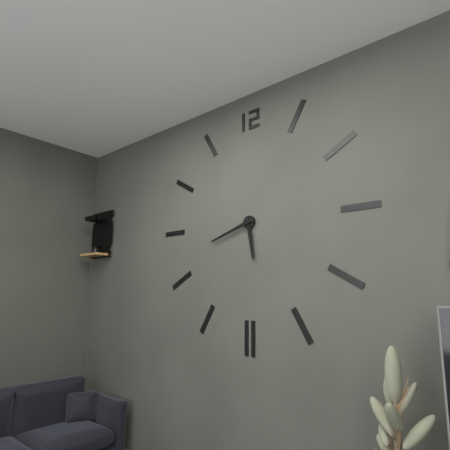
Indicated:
5.42
